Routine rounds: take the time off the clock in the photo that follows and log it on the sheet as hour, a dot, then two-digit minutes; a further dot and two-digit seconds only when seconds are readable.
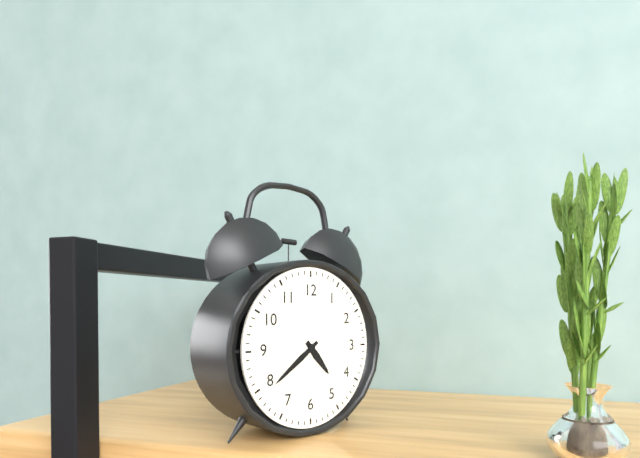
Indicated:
4.39
